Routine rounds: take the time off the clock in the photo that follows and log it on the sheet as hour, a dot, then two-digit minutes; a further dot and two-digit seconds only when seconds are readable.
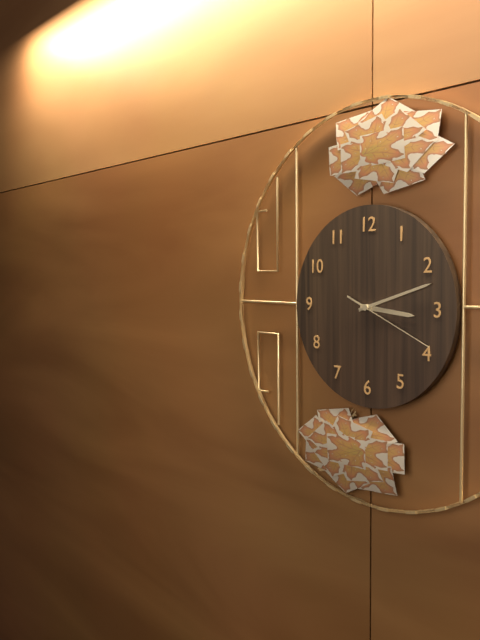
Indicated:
3.12.19
